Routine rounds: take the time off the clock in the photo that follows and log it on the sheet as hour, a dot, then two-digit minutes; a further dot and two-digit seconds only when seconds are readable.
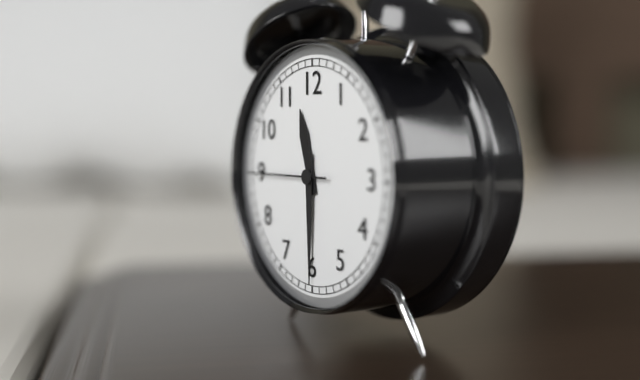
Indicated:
11.30.45
